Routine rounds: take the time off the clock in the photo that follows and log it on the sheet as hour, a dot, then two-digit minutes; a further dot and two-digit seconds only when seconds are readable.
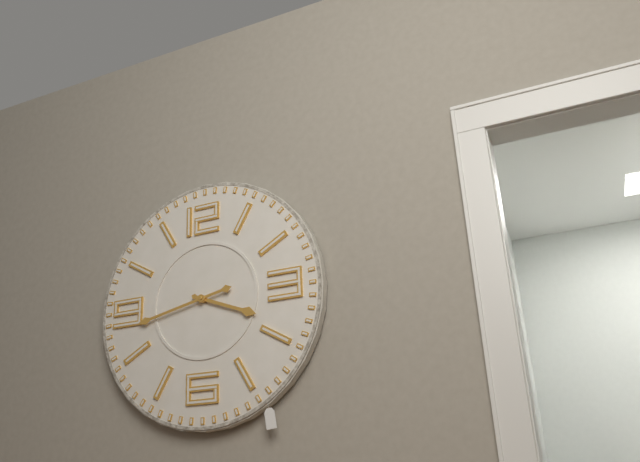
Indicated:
3.43
